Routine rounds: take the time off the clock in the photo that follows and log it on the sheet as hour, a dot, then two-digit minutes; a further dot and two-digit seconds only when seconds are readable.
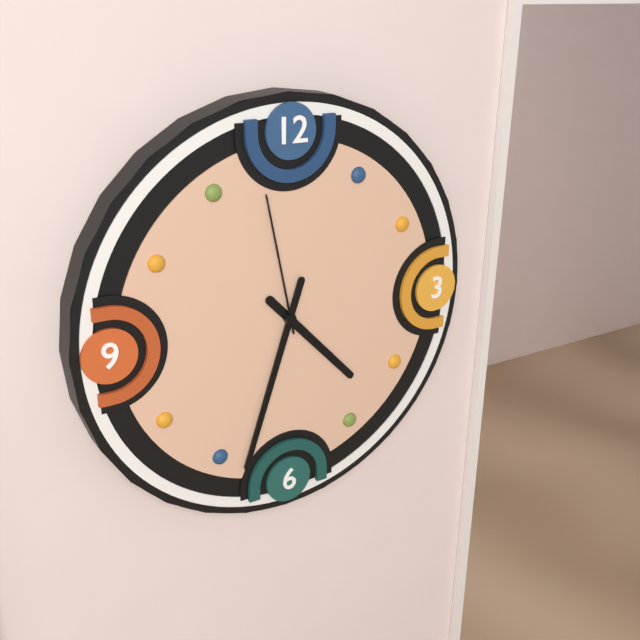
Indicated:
4.33.58
